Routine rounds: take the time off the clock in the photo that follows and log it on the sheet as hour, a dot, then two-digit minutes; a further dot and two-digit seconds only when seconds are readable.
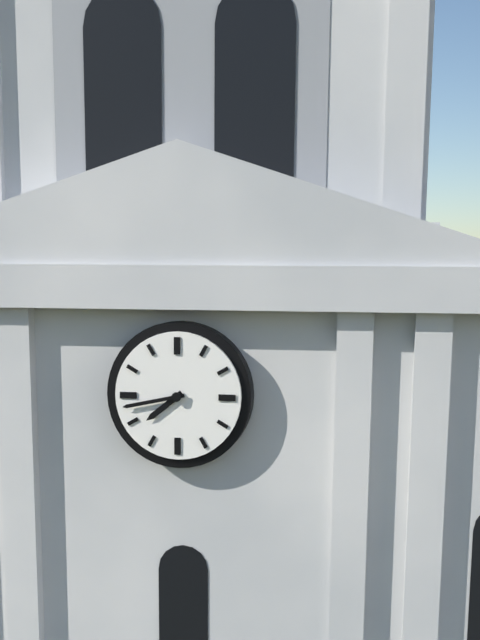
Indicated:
7.43
